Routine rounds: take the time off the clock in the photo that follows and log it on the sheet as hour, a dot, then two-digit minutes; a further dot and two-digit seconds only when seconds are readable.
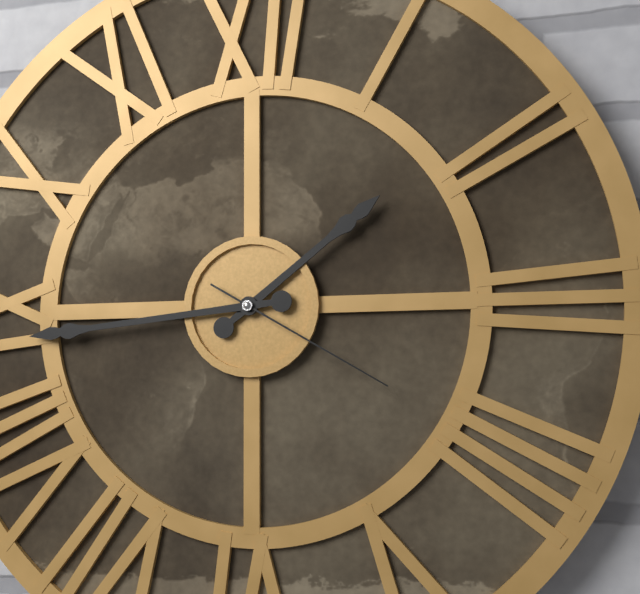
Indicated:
1.44.20
